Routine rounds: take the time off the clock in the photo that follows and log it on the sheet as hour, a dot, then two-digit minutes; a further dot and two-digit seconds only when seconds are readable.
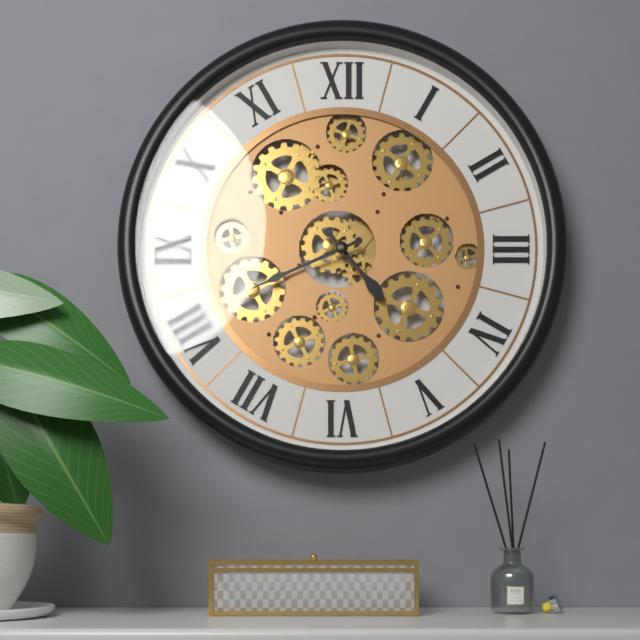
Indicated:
4.41
